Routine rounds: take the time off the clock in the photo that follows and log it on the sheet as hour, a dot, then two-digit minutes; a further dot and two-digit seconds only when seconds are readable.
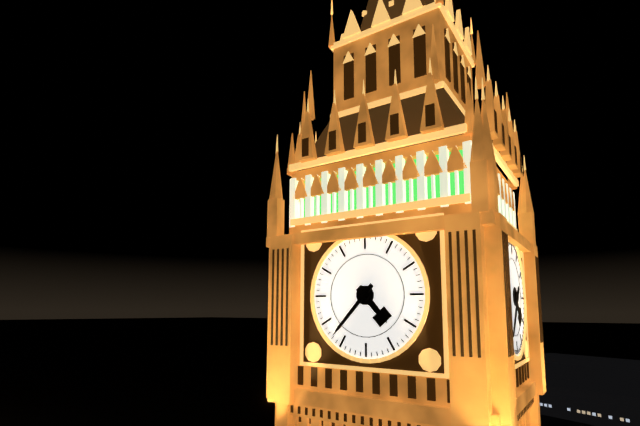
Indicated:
4.37
